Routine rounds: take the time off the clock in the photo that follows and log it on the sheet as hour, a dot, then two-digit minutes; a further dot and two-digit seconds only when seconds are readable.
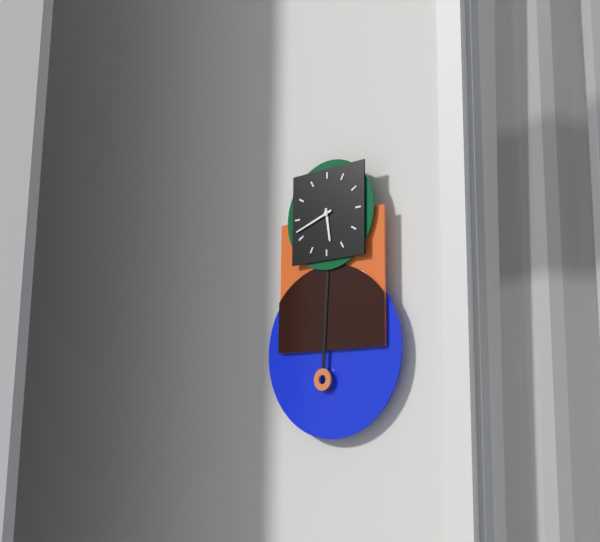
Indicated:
5.42
